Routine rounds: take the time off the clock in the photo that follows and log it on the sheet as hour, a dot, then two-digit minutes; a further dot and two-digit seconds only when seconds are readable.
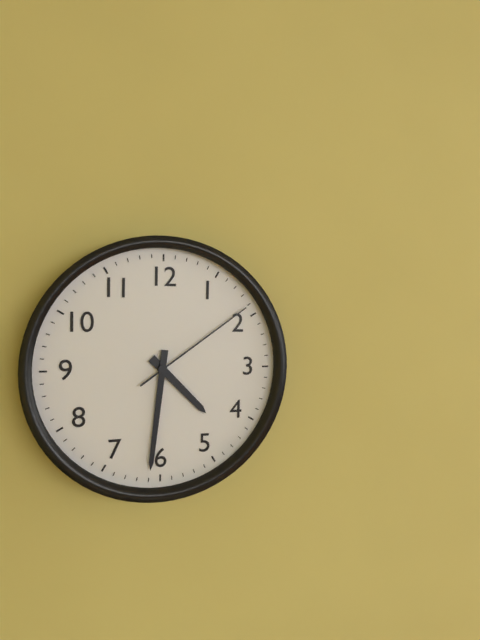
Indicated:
4.31.09
